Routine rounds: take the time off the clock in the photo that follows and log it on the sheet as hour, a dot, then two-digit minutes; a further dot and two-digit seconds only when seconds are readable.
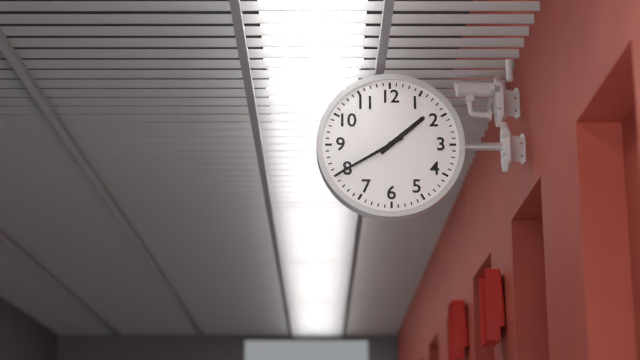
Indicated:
1.40
